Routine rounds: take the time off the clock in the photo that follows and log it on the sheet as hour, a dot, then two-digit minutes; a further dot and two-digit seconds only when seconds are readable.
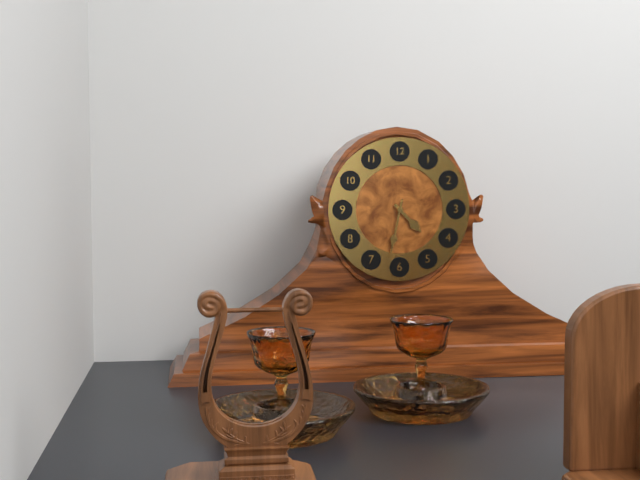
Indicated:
4.32
